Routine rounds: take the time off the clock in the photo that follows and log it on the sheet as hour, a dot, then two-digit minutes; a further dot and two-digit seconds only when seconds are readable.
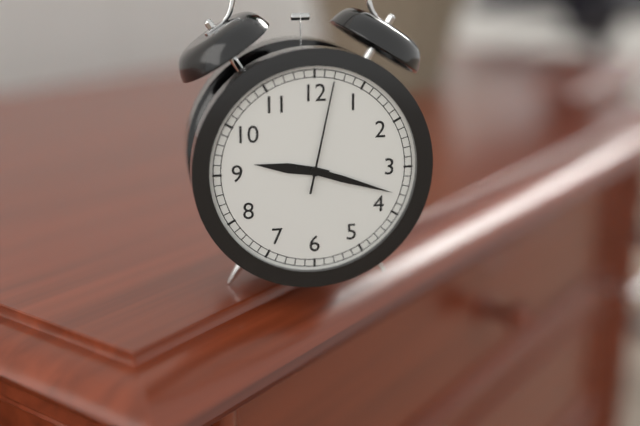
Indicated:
9.18.02
